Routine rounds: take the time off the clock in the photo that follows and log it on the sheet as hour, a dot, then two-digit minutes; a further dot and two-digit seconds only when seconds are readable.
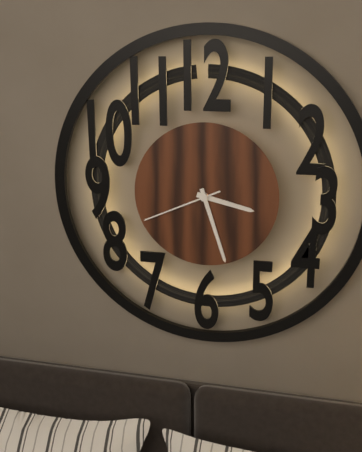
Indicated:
3.27.41
